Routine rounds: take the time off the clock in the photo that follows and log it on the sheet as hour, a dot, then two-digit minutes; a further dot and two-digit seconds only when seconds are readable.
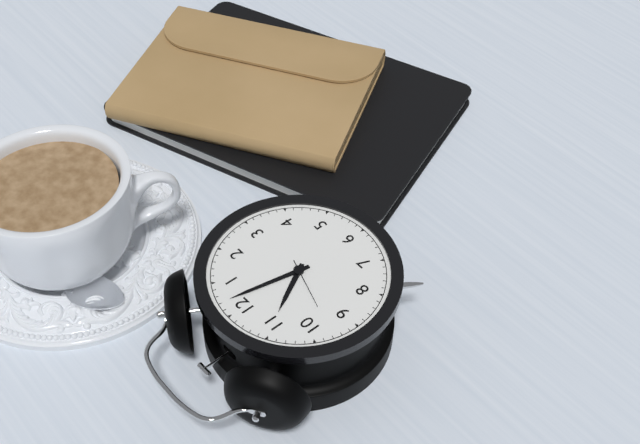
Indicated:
11.02.48
